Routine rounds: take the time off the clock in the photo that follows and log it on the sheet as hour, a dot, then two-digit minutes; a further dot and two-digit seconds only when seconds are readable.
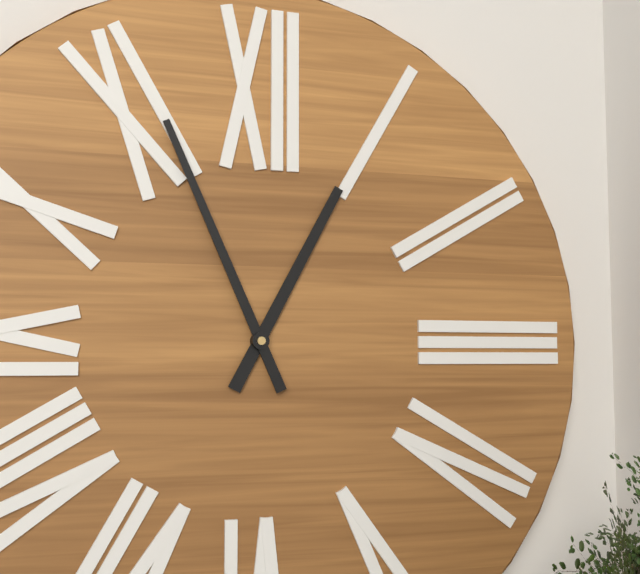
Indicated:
12.56
